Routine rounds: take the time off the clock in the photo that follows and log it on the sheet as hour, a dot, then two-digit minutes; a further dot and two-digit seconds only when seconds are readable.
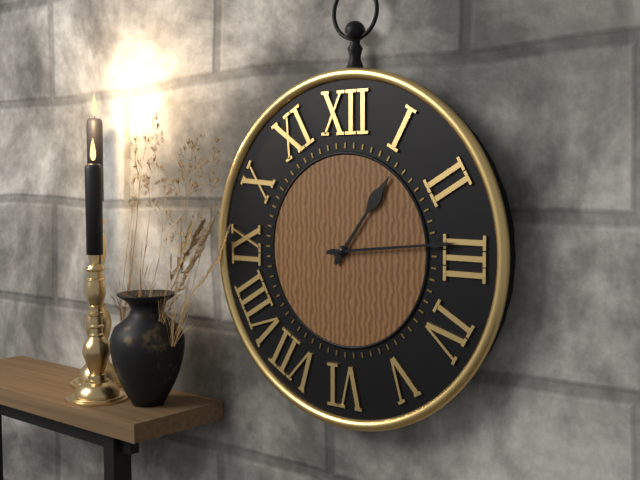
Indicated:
1.14
